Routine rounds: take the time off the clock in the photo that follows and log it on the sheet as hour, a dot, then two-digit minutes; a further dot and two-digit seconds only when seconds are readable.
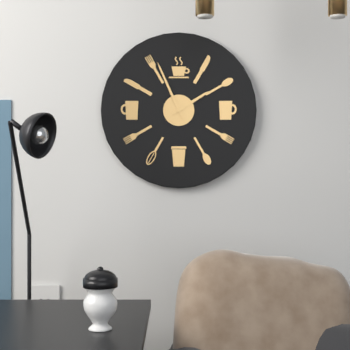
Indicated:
1.56
